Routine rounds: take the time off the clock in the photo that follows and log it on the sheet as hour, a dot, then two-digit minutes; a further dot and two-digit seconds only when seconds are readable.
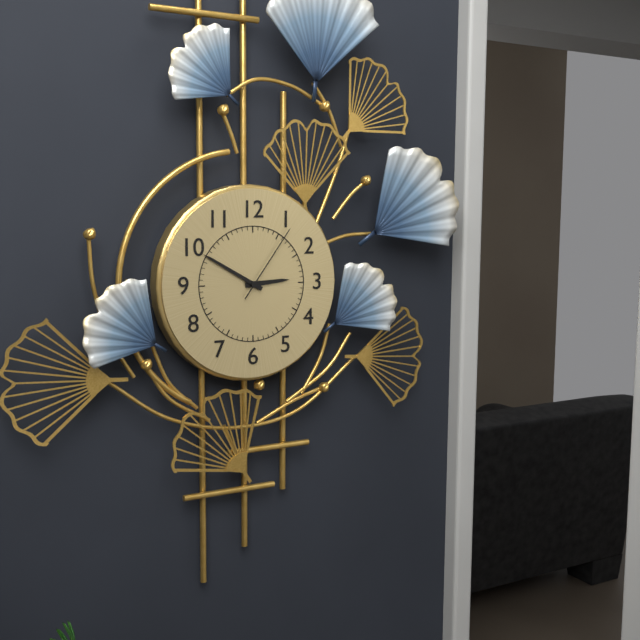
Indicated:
2.50.06
